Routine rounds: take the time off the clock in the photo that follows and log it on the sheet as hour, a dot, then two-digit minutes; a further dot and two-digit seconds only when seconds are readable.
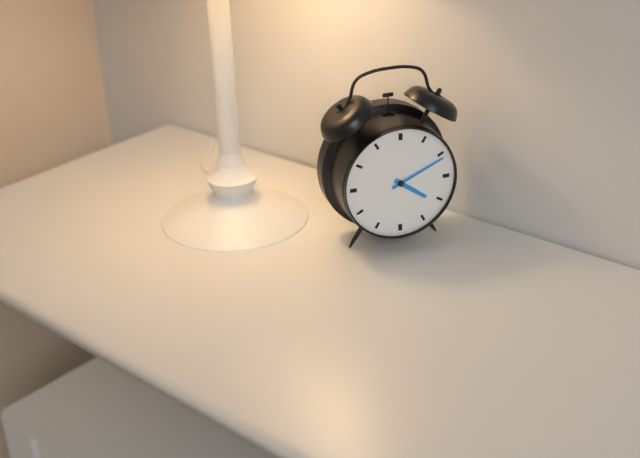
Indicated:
4.11
